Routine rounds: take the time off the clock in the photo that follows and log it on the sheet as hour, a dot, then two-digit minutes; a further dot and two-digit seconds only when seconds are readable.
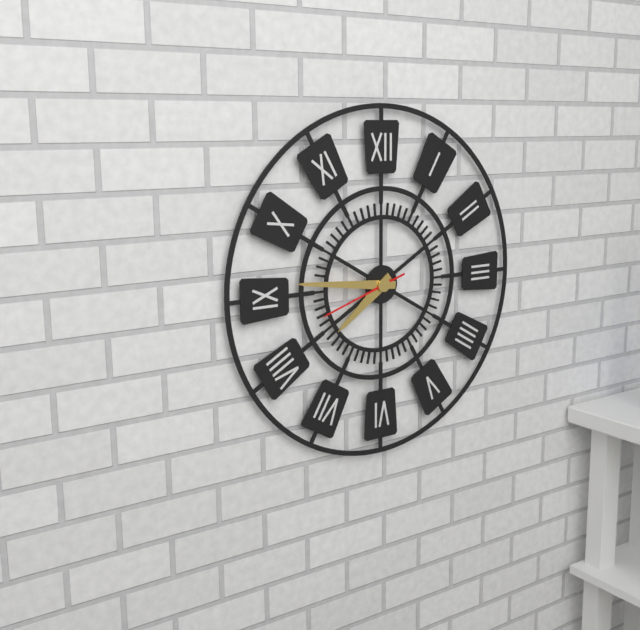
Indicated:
7.46.42
